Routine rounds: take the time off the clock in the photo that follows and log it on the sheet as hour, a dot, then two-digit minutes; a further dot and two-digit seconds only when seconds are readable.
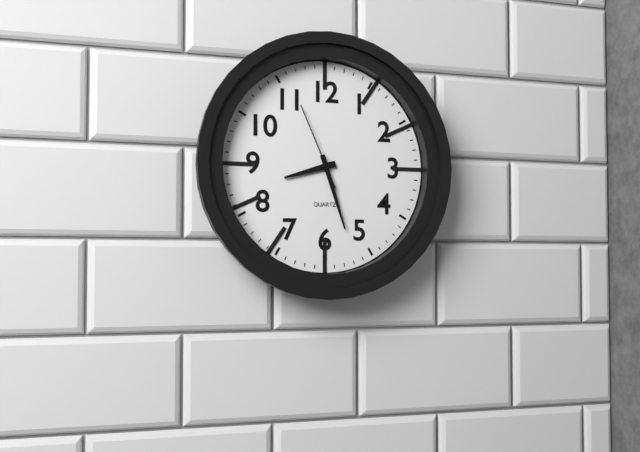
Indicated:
8.27.56
